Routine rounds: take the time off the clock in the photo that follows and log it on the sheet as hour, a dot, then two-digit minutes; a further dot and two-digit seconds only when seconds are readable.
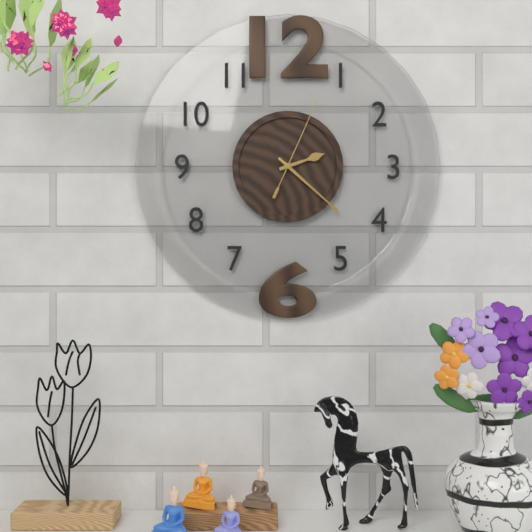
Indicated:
2.22.04
